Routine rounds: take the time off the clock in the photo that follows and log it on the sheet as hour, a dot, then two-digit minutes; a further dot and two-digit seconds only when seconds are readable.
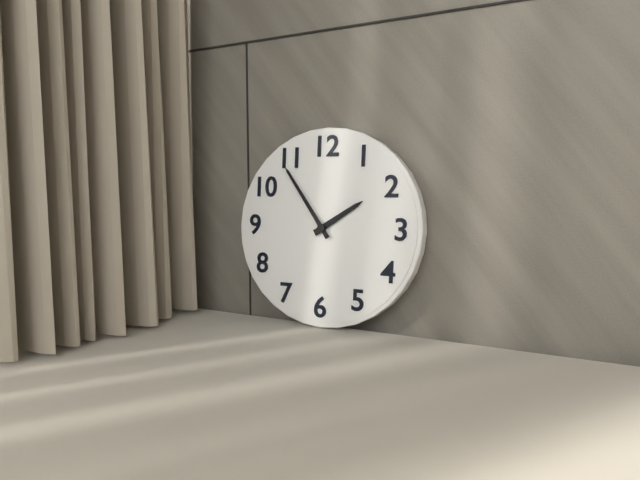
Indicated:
1.54
